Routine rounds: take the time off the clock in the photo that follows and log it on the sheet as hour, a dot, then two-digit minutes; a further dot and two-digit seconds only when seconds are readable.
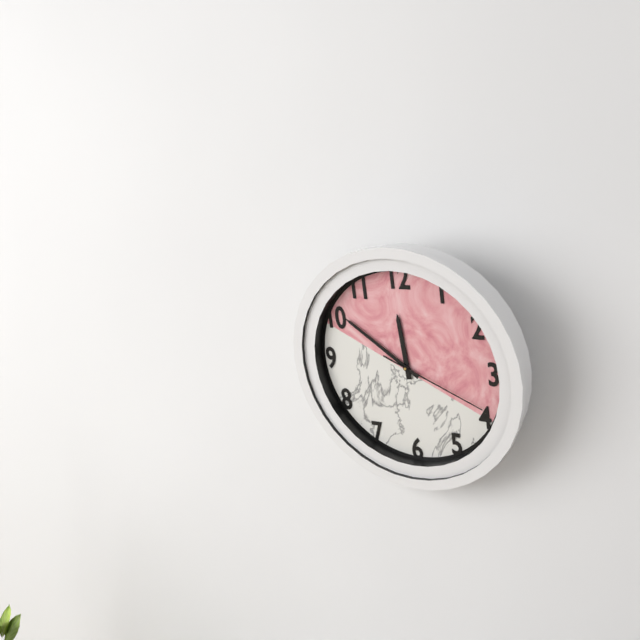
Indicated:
11.51.19
